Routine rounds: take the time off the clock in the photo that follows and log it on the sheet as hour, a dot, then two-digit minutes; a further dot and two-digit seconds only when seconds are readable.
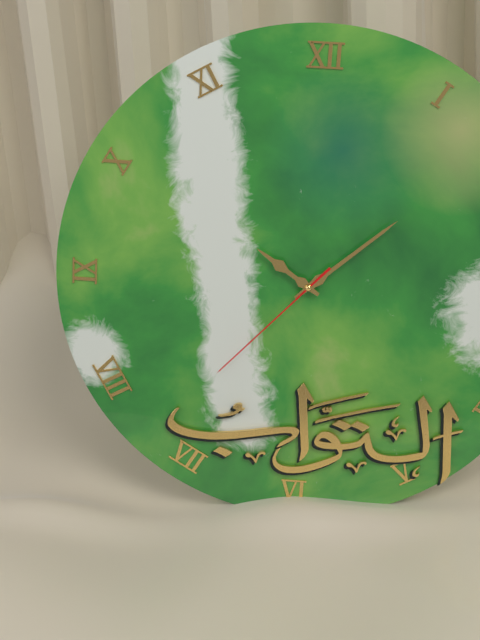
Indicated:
10.08.37
